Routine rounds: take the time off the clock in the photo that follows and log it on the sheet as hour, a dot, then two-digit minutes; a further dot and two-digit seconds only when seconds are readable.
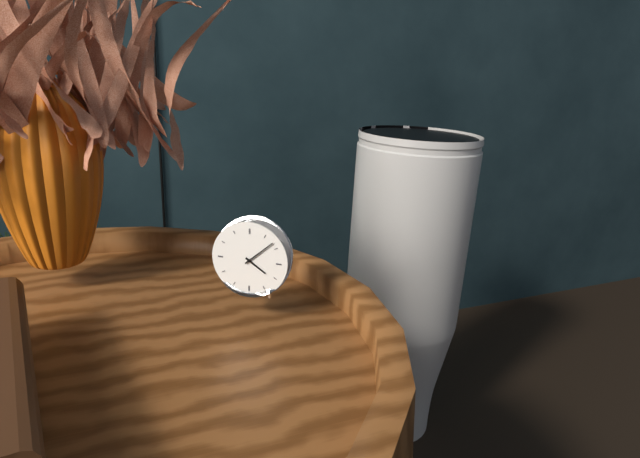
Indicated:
4.08
